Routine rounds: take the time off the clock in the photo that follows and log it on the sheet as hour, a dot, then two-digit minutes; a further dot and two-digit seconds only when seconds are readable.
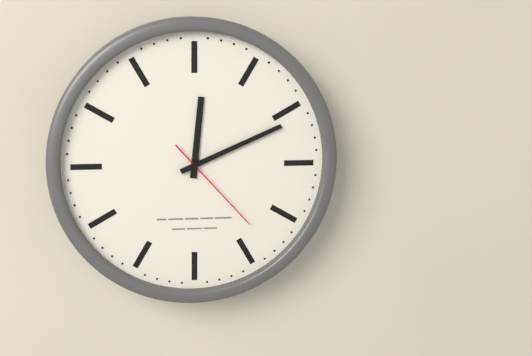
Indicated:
12.11.23
